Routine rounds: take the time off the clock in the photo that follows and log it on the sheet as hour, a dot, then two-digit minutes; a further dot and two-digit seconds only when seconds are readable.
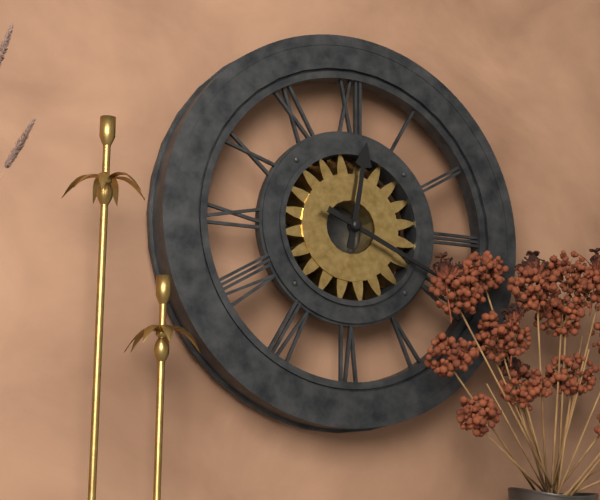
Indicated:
12.19
